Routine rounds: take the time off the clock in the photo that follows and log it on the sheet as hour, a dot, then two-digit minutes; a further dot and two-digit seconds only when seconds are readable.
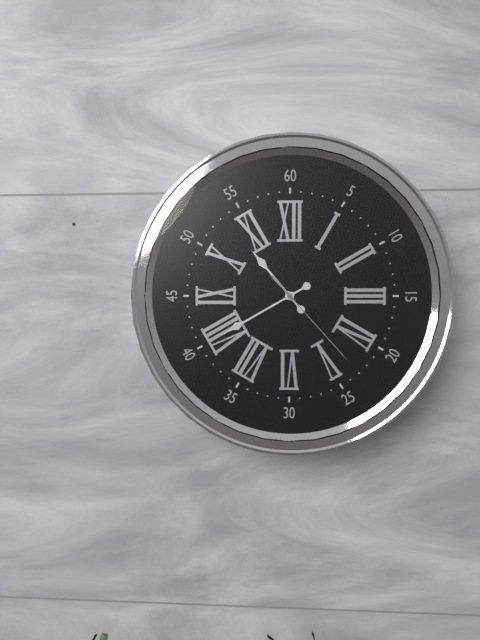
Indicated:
10.40.23
